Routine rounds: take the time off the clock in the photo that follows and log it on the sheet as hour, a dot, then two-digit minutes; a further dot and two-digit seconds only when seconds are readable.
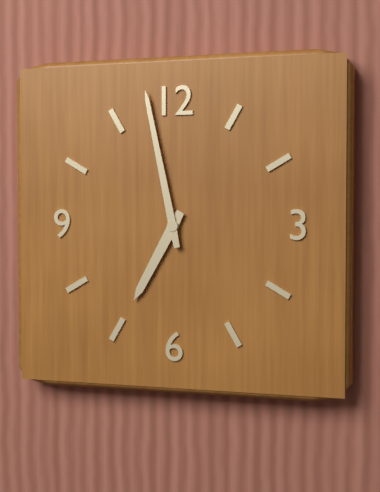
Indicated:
6.58
